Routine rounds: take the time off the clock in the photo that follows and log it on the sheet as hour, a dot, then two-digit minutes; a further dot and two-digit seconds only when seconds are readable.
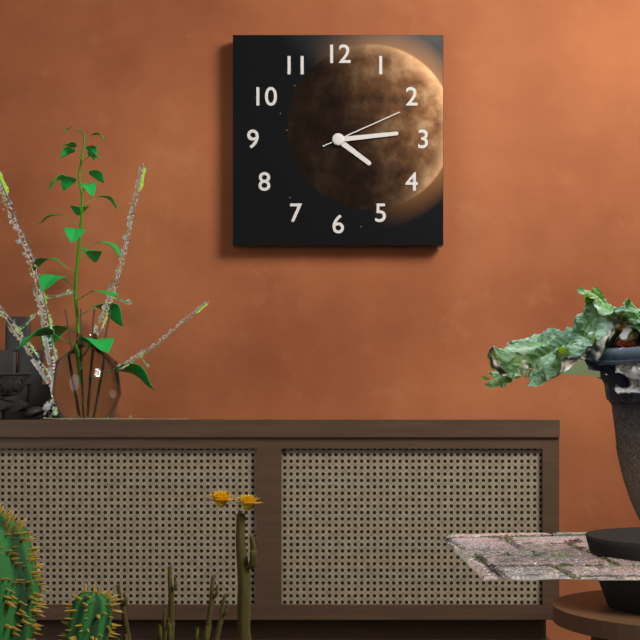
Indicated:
4.14.11
